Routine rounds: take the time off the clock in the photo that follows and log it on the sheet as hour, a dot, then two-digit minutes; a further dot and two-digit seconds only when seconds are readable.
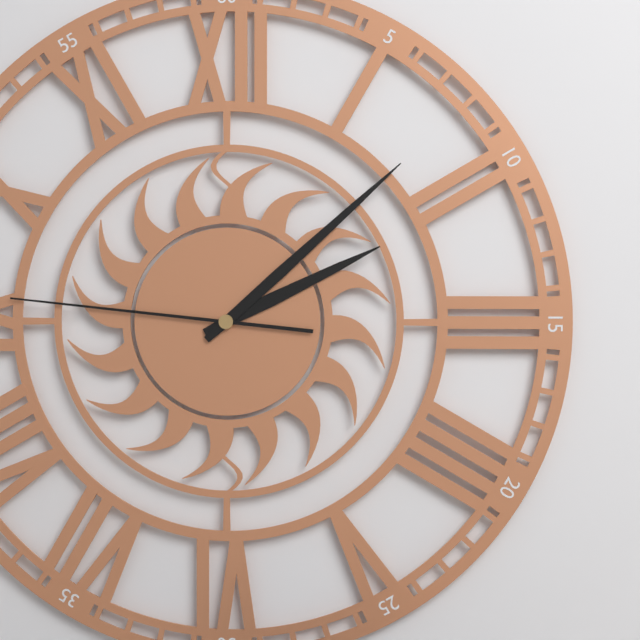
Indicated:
2.08.46
